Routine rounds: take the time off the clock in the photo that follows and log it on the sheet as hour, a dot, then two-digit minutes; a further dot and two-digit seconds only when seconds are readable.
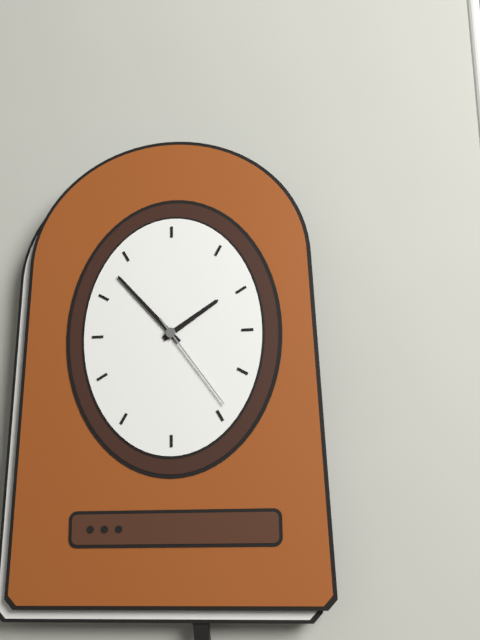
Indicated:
1.53.24
